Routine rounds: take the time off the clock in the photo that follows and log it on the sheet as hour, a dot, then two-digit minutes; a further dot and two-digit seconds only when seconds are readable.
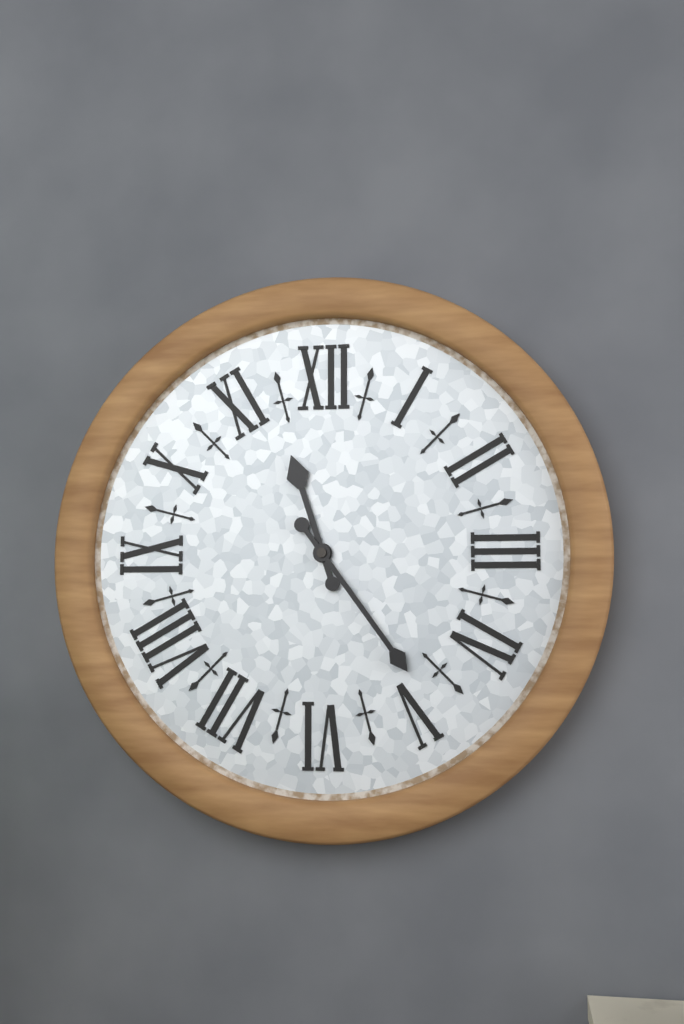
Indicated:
11.24
